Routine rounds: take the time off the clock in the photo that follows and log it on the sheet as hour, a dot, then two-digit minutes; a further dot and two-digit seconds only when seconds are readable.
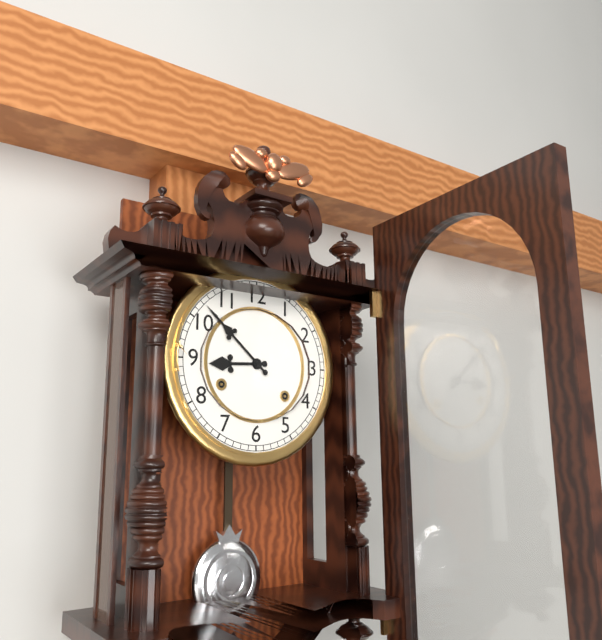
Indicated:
8.52
